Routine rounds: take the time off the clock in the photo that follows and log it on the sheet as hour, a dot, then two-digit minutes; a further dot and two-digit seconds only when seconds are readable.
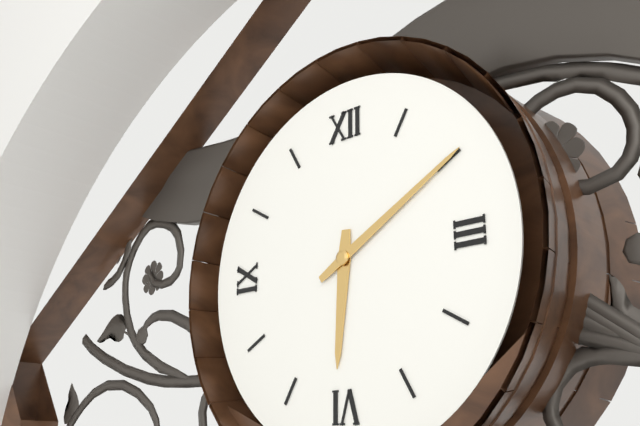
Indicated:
6.10
